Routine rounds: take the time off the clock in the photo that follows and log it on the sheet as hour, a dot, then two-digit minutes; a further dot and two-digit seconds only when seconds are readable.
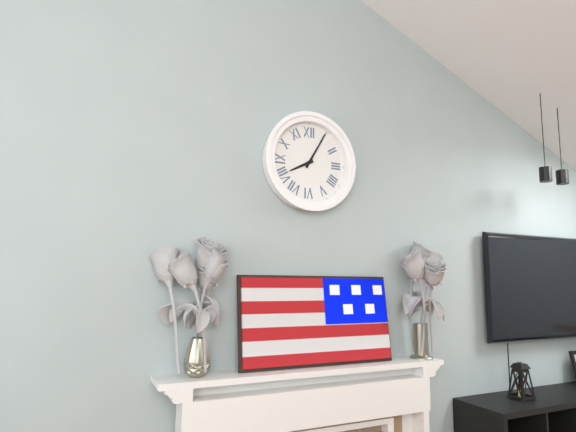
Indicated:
8.05
